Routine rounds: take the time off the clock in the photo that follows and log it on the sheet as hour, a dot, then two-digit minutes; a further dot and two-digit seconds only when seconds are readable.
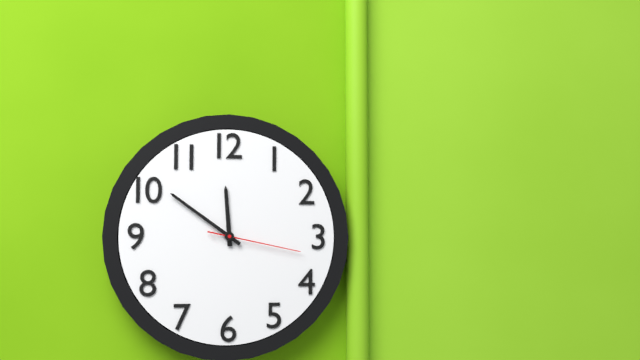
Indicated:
11.51.17
